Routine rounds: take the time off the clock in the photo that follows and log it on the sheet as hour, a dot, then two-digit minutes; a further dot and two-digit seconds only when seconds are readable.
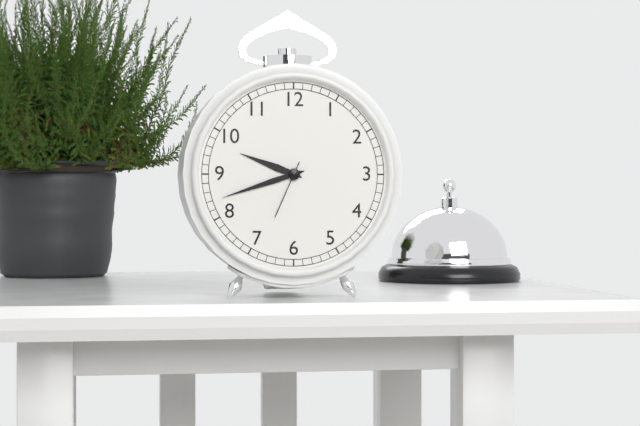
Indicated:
9.42.34
